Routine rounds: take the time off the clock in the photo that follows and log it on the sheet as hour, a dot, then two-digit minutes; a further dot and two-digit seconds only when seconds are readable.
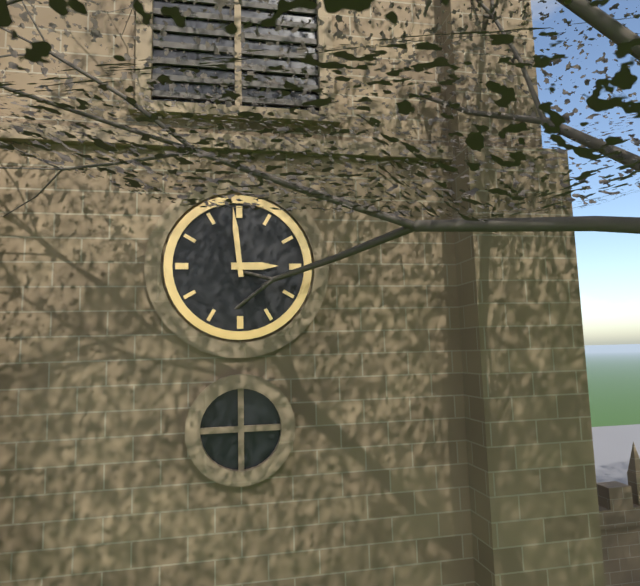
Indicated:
2.59
